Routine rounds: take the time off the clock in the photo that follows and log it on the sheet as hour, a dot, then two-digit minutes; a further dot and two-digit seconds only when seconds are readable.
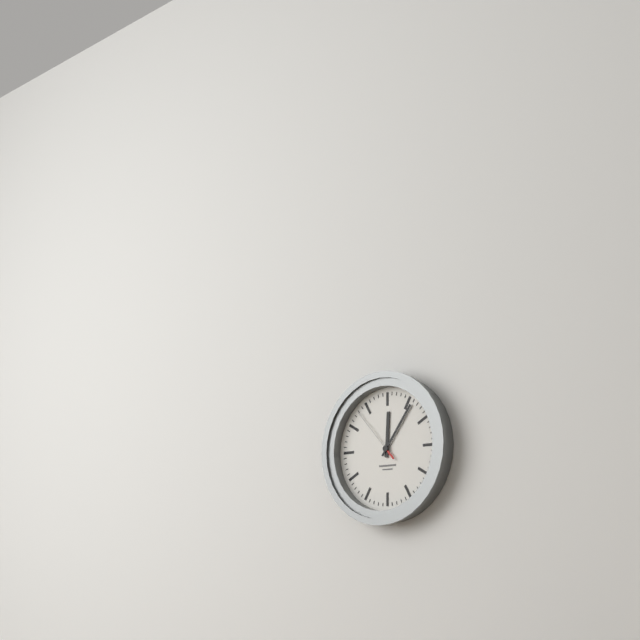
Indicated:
12.06.53
